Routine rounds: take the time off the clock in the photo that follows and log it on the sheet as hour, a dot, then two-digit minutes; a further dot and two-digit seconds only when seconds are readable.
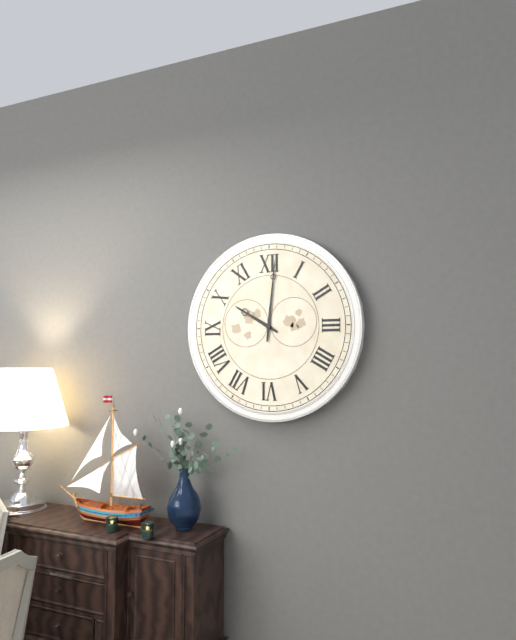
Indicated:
10.01
